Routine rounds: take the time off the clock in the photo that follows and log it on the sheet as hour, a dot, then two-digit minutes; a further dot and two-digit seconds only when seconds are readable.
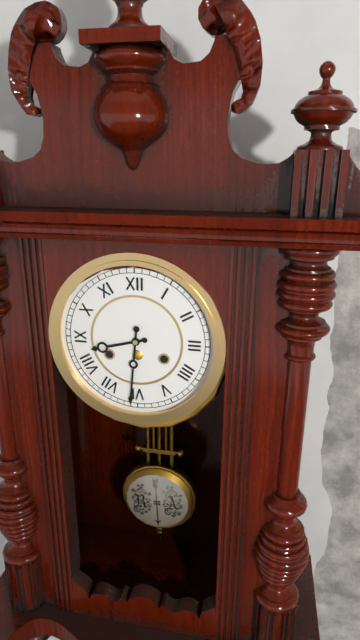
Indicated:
8.31
